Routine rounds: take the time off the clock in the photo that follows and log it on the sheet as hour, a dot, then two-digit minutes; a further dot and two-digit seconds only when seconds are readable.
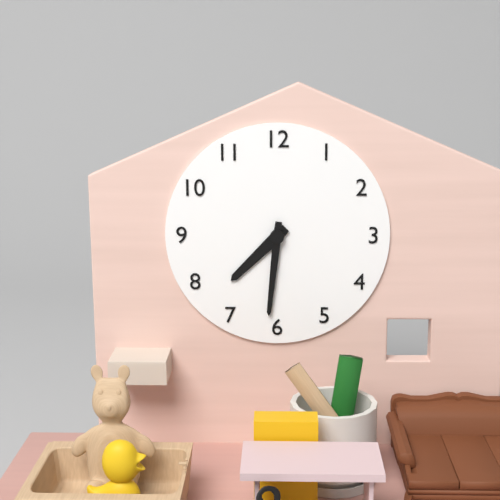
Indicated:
7.31
